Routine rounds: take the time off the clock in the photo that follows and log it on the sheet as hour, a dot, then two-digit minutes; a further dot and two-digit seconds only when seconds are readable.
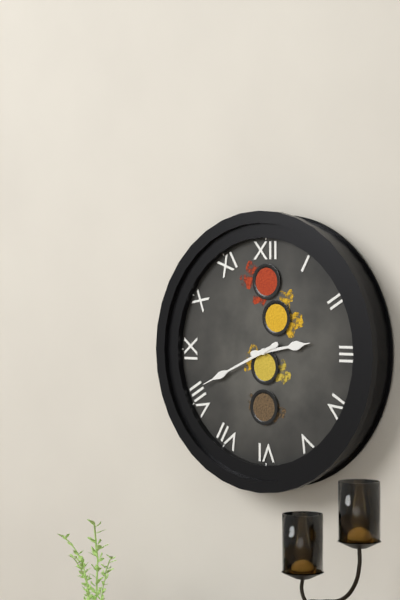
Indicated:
2.41
